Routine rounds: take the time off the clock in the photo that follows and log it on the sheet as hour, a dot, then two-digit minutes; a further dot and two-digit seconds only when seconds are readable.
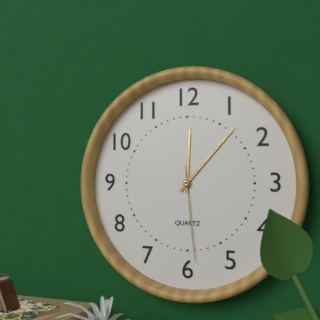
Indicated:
12.07.29
